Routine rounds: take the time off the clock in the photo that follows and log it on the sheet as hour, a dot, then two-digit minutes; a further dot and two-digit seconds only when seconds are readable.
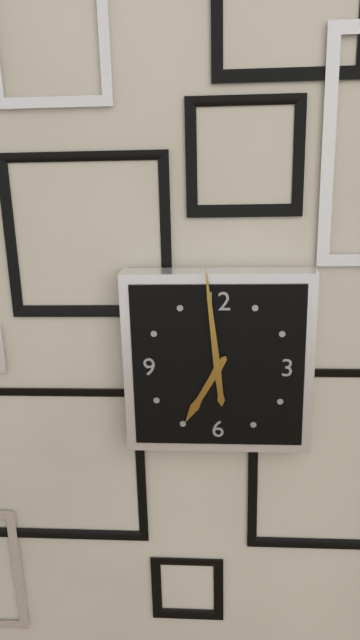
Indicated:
6.59
